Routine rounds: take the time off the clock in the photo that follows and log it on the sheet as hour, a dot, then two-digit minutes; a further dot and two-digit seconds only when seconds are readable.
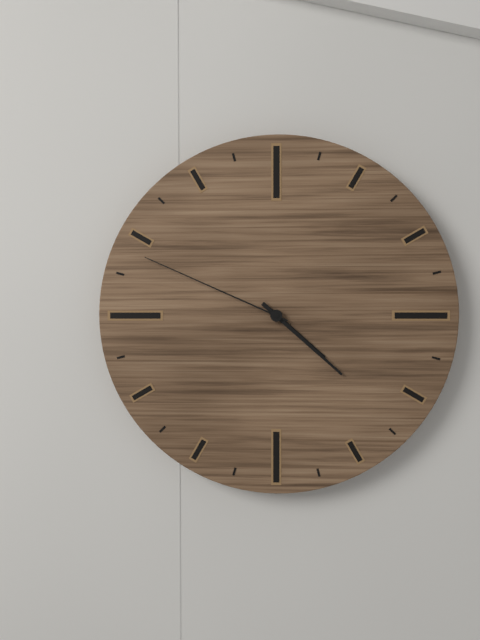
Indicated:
4.22.49
